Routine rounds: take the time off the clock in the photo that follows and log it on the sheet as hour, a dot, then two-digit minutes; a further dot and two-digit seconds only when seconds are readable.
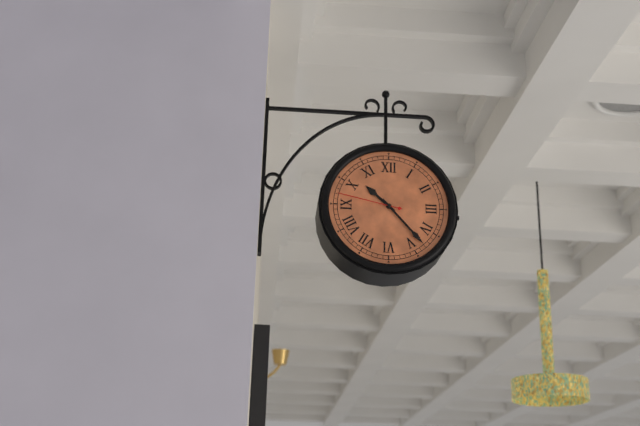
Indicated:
10.23.47
